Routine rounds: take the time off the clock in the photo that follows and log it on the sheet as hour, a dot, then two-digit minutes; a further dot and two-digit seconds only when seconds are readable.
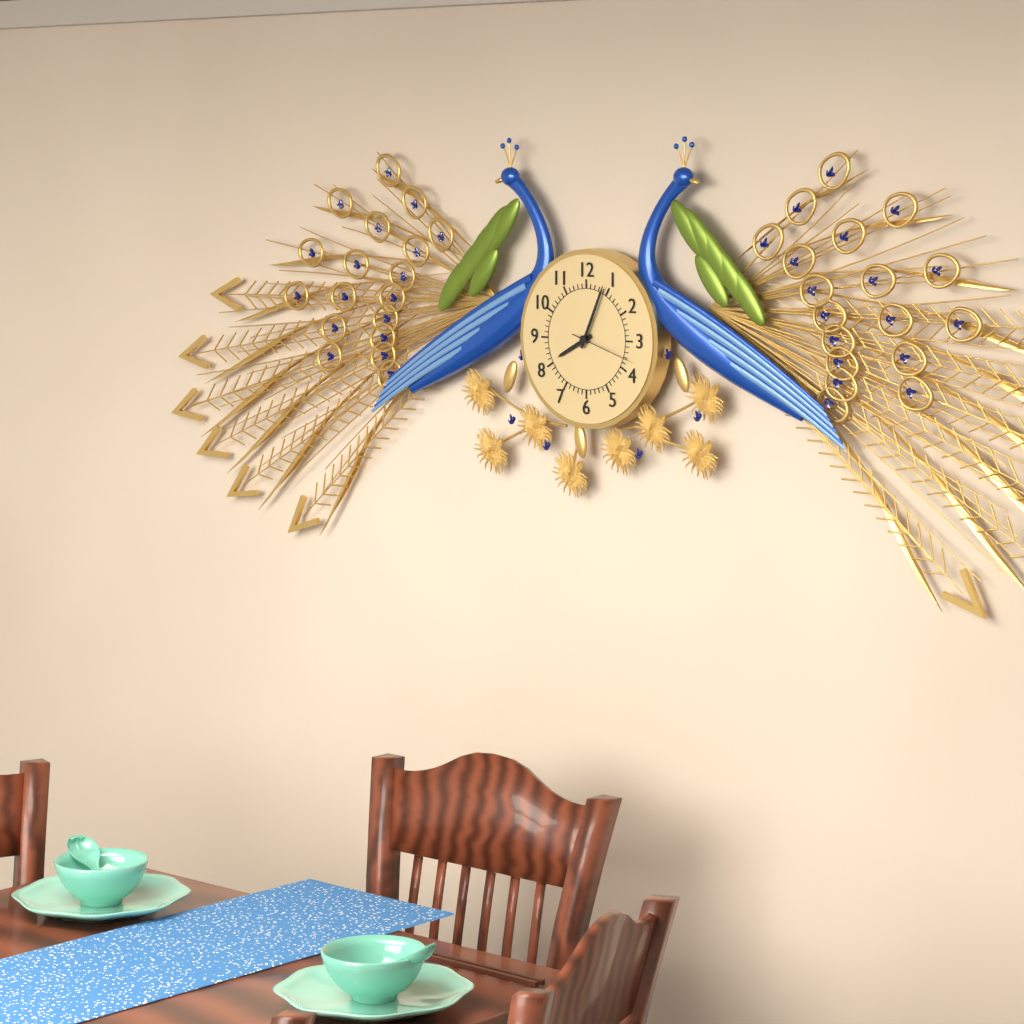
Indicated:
8.04
